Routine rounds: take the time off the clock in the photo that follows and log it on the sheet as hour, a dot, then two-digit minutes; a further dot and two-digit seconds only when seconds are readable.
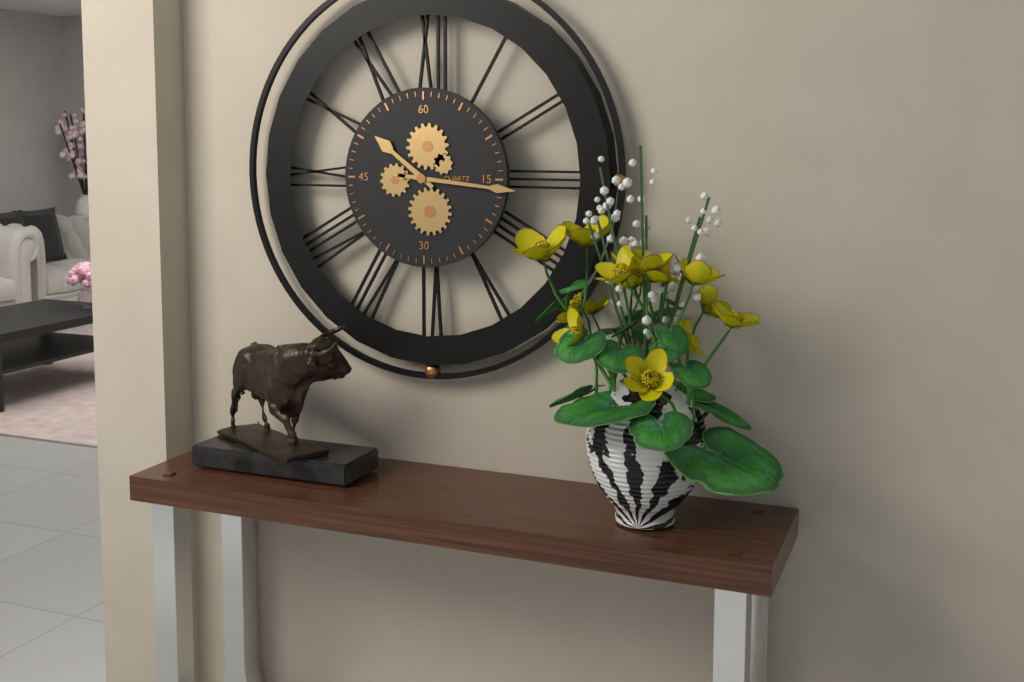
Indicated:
10.16
